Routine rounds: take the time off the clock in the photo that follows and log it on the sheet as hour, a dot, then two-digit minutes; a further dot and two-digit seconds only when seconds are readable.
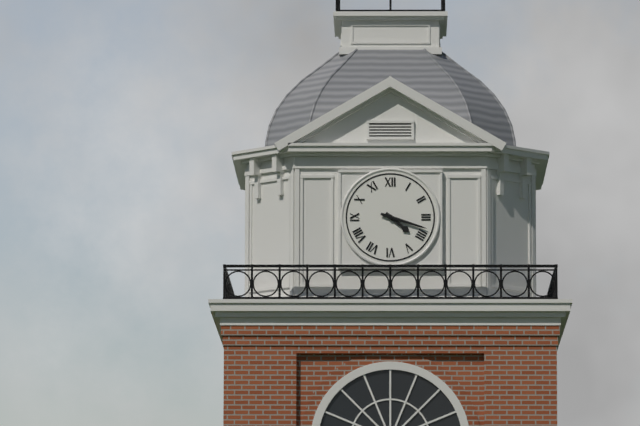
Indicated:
4.18
